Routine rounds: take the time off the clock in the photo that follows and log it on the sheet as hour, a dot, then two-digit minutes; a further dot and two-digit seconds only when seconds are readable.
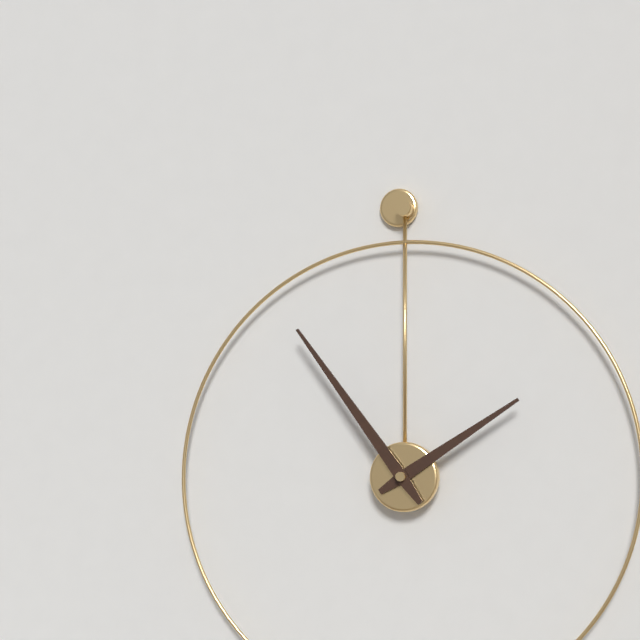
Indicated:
1.54
